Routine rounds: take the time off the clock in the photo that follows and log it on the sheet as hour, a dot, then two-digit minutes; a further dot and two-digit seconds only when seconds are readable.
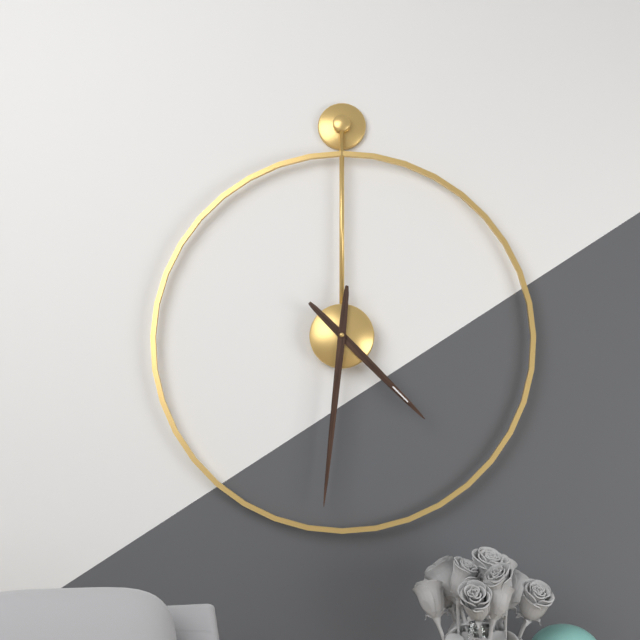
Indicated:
4.31
